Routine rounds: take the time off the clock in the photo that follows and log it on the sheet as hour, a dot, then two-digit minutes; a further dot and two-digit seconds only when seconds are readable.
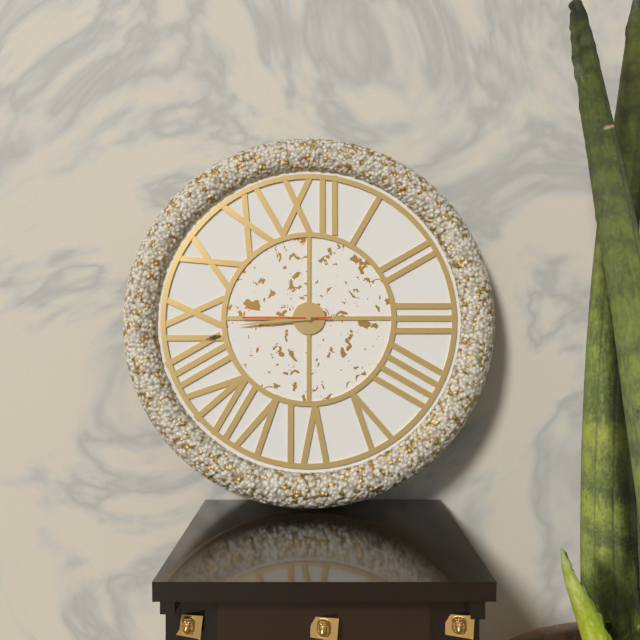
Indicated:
8.44.45
